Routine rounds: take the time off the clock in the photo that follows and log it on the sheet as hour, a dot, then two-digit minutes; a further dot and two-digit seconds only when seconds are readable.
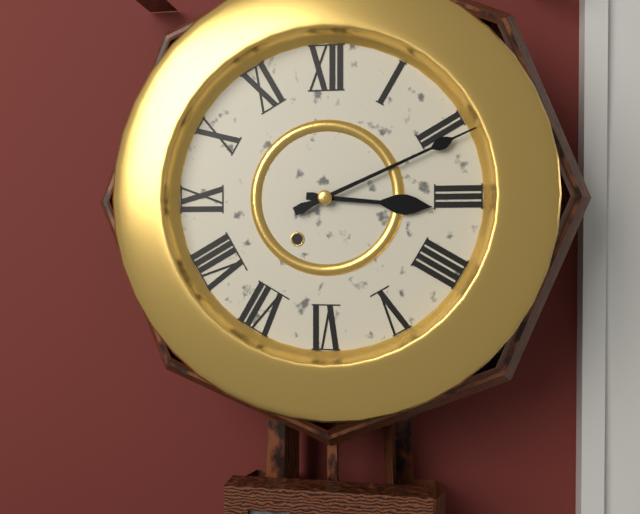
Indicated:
3.11
